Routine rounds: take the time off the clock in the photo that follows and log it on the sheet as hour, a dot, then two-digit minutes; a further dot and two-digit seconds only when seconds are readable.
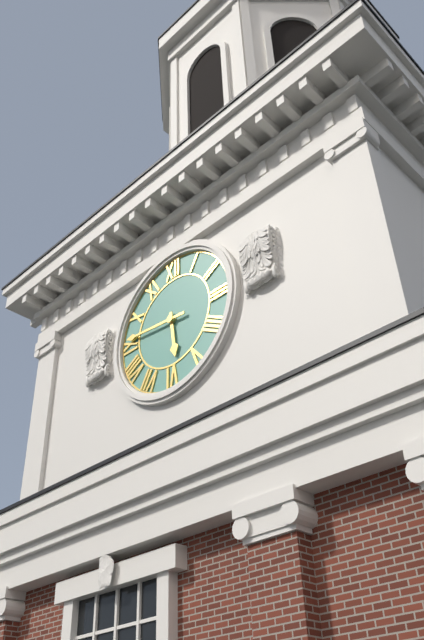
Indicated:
5.46
